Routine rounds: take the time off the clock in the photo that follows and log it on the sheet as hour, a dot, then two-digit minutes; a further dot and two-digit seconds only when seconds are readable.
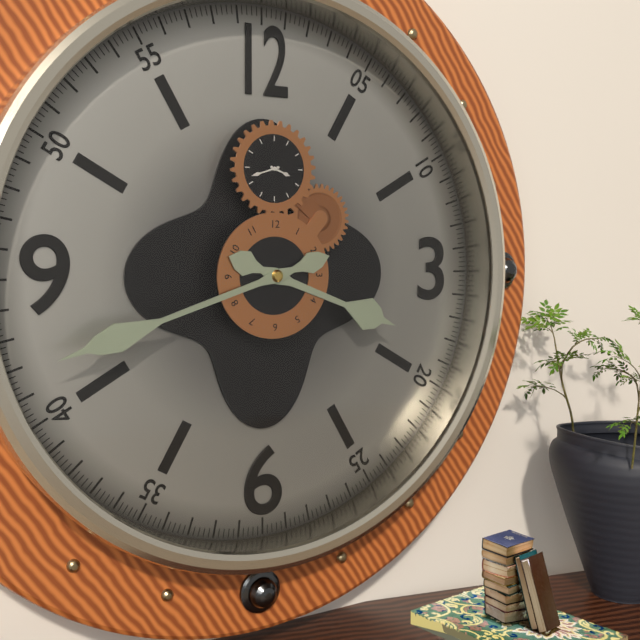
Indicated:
3.42
